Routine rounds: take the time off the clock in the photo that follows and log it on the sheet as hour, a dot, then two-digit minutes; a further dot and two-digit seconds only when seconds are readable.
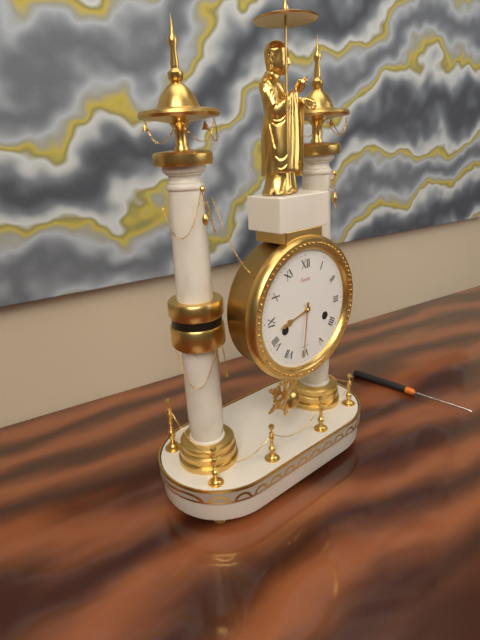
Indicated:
8.31
